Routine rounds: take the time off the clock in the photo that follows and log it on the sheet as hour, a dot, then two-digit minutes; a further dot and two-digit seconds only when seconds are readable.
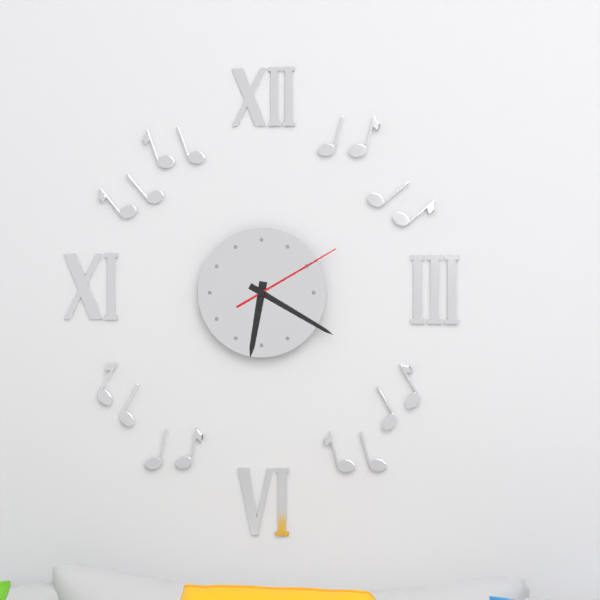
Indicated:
6.20.10
